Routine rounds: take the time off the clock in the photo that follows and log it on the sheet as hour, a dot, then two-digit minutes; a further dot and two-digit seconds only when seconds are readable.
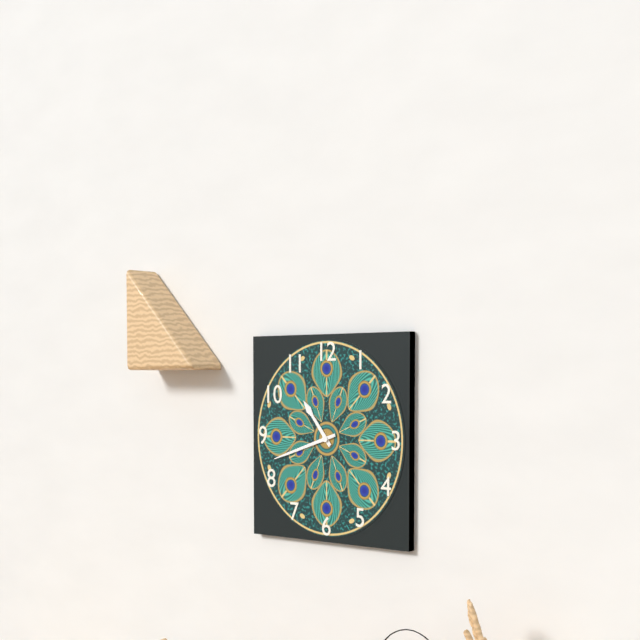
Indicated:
10.42
